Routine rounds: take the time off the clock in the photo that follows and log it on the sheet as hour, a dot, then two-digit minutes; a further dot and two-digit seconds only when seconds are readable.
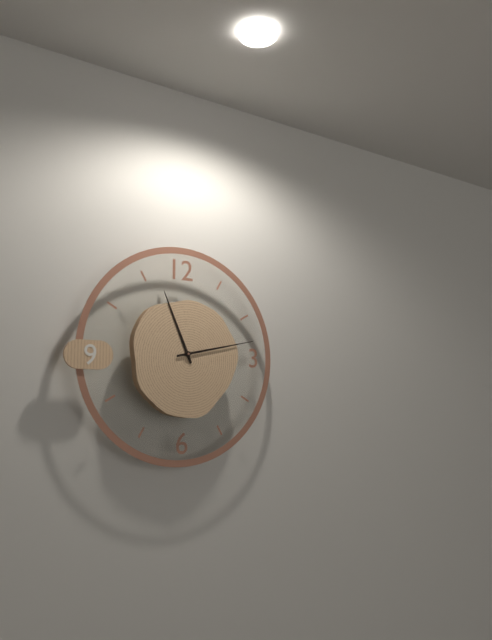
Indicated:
11.13
